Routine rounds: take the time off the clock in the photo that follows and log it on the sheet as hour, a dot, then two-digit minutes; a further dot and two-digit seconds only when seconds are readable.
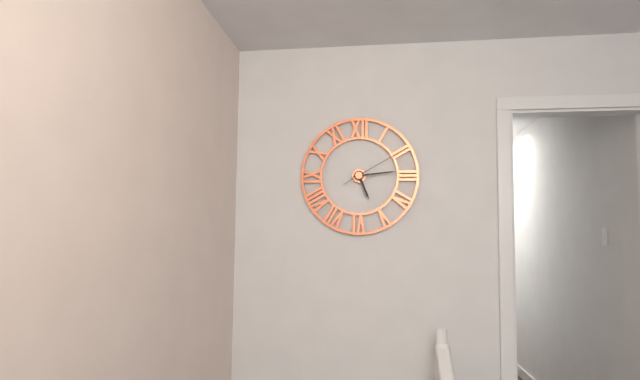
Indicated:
5.14.10
